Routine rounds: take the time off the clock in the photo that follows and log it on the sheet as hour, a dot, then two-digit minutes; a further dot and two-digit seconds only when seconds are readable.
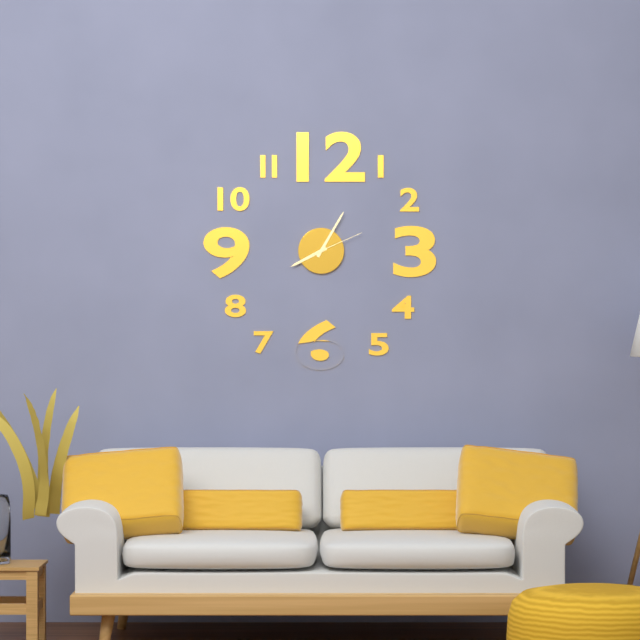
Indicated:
8.05.11
